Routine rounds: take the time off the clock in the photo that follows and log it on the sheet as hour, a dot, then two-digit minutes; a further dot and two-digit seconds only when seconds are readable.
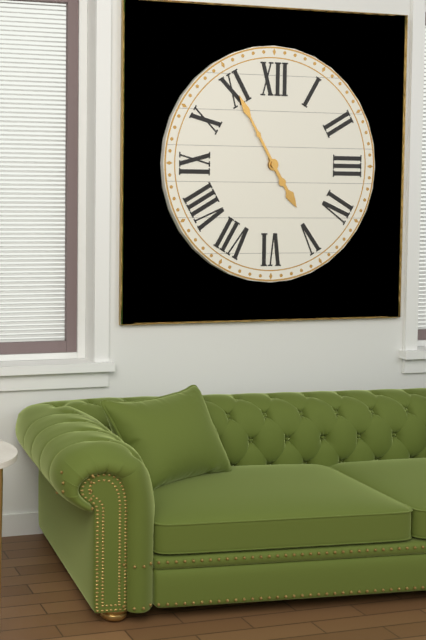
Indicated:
4.55
